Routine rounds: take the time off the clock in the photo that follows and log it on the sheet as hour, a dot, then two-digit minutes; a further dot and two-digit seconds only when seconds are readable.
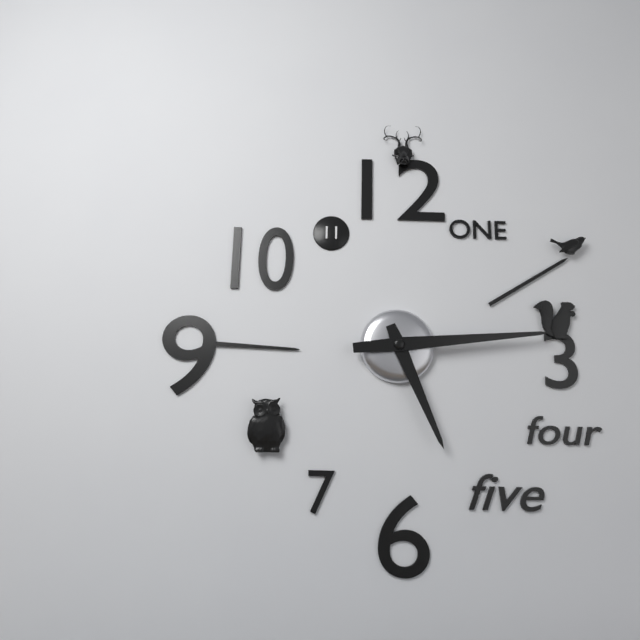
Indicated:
5.14
